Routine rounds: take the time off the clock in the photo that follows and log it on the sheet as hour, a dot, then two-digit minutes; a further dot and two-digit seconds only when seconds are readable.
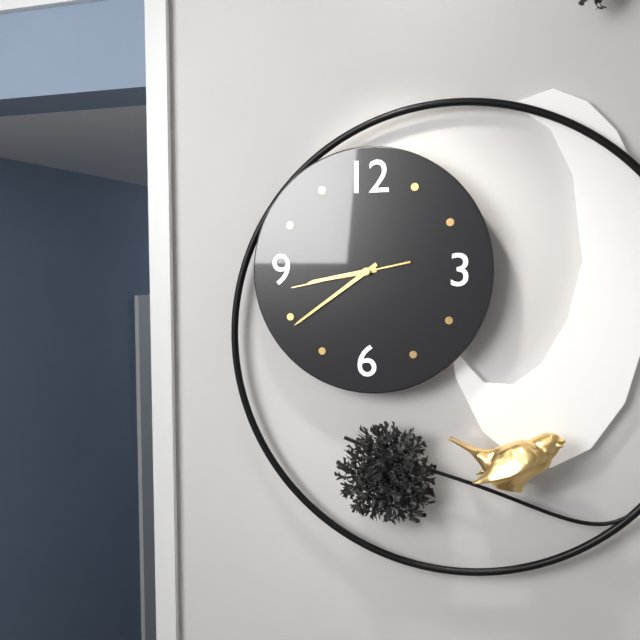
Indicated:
8.39.43
